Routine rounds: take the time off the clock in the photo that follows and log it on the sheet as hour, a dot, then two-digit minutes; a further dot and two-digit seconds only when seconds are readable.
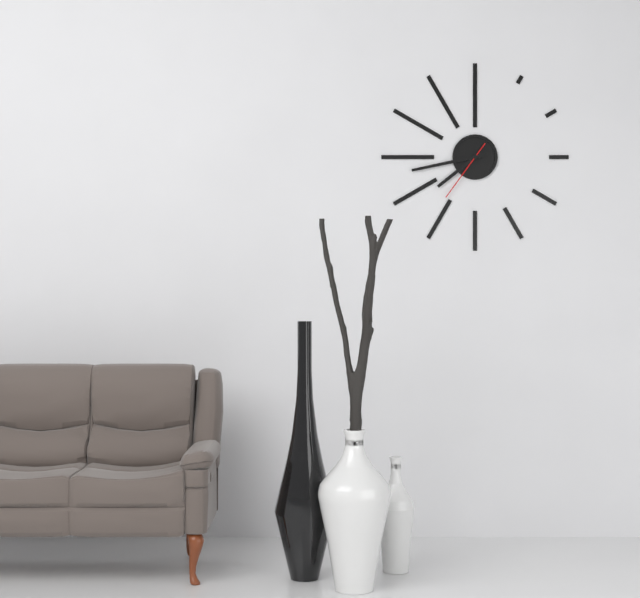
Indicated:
7.43.36
